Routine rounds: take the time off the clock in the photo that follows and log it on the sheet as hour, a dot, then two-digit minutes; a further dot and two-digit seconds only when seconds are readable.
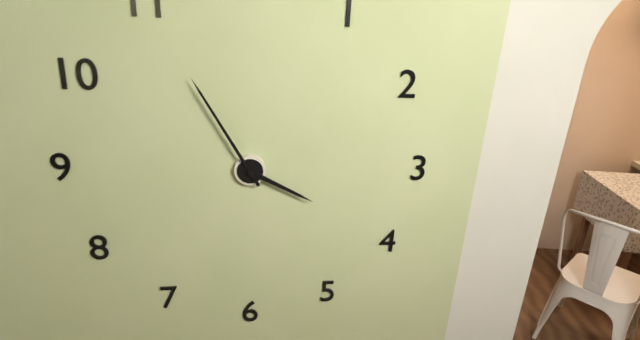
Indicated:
3.55
